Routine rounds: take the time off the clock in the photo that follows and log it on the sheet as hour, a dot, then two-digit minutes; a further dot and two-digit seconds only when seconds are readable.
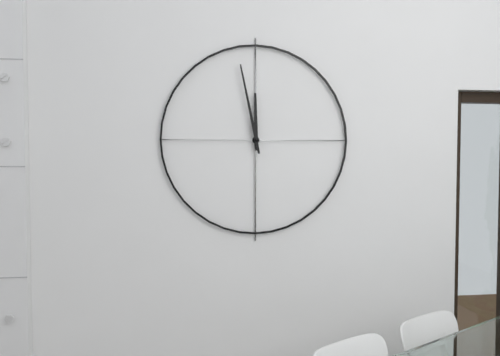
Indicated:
11.58
